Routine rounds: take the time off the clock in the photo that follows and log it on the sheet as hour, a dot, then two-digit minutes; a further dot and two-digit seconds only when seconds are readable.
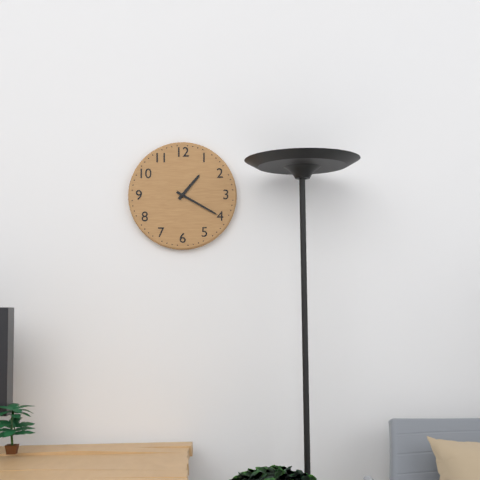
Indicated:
1.20
